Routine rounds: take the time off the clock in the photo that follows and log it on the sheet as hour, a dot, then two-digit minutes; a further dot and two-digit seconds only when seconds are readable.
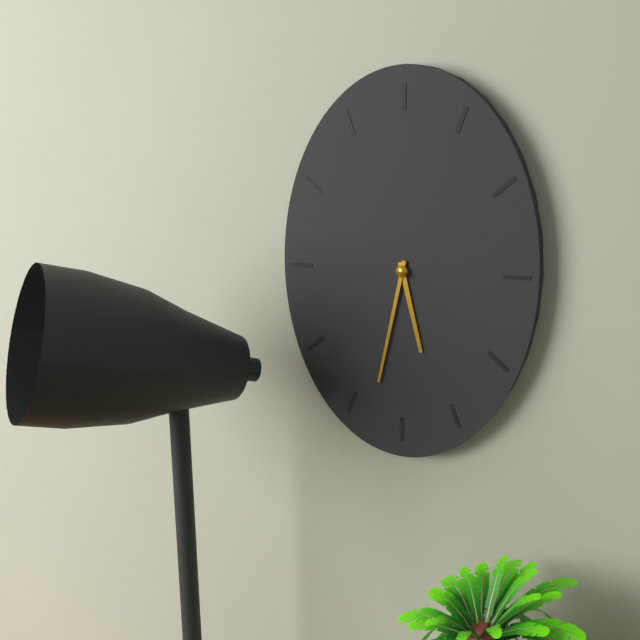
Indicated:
5.32
